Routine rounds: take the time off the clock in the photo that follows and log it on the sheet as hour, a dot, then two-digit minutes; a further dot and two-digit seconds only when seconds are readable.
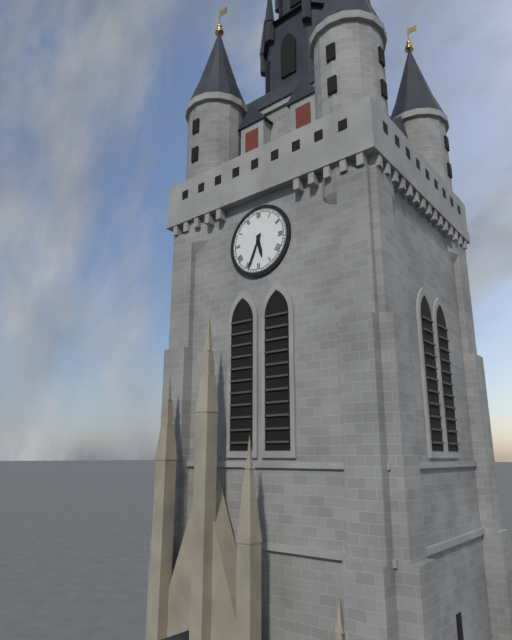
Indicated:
5.34
